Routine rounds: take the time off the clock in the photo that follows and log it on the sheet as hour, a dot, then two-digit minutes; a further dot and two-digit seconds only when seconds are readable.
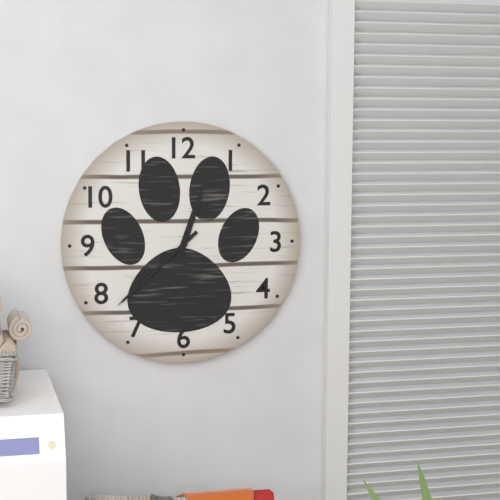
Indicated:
12.38
